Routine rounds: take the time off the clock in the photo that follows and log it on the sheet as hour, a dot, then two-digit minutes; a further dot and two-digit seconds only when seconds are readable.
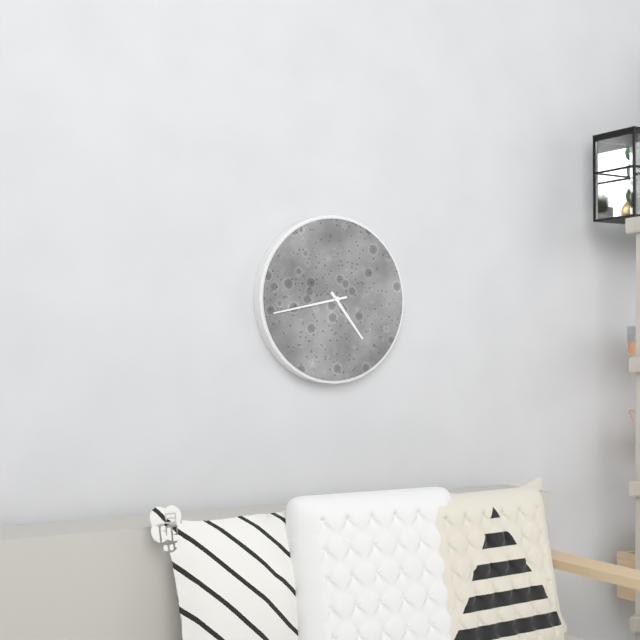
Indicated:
4.43
